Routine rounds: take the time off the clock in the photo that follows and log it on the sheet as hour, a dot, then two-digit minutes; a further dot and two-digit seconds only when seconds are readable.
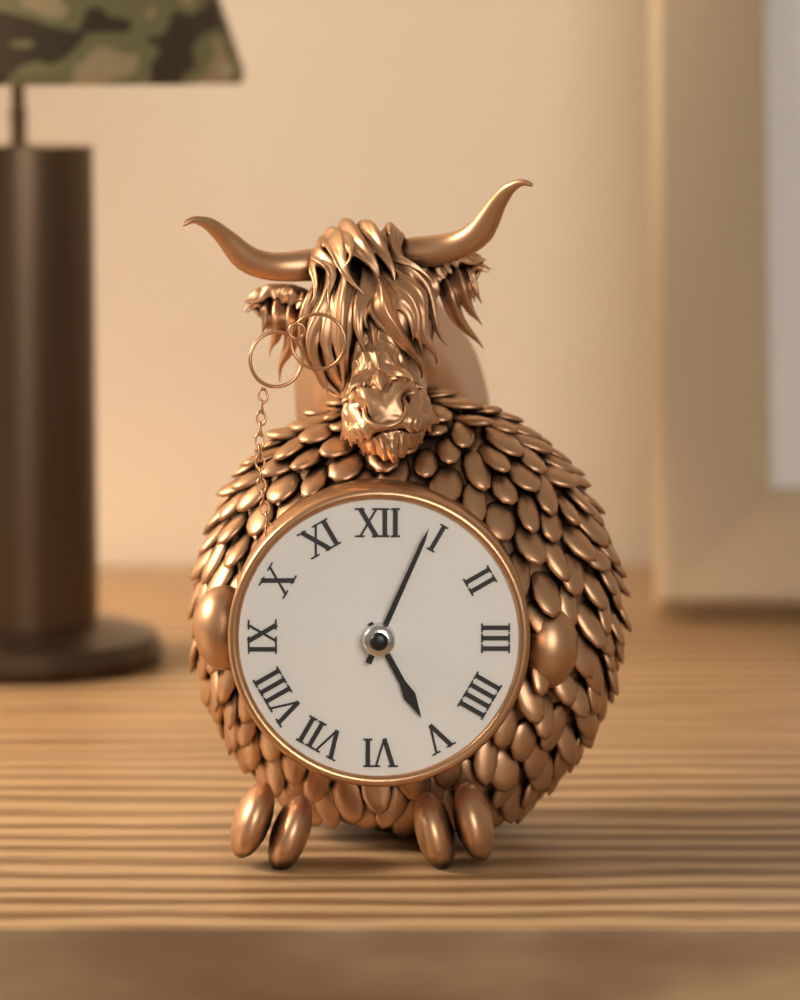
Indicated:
5.04
